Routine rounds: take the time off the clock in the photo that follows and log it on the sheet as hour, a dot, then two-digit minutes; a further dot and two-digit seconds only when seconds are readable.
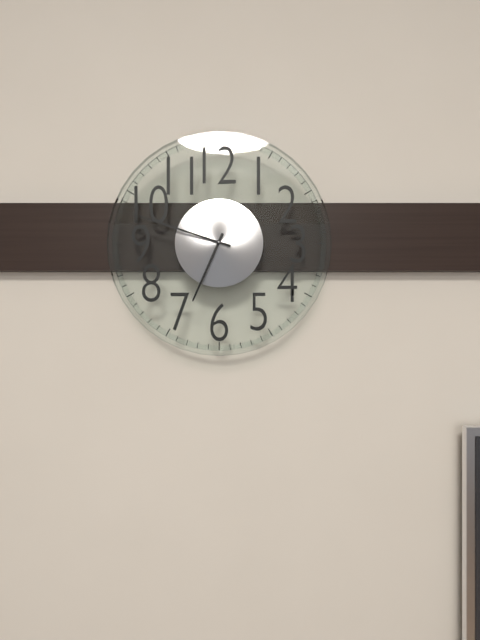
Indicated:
6.48
